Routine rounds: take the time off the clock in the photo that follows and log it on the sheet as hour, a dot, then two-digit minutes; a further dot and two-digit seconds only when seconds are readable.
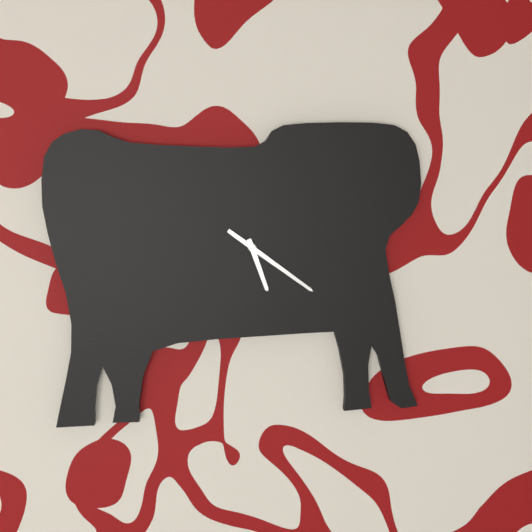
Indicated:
5.21
